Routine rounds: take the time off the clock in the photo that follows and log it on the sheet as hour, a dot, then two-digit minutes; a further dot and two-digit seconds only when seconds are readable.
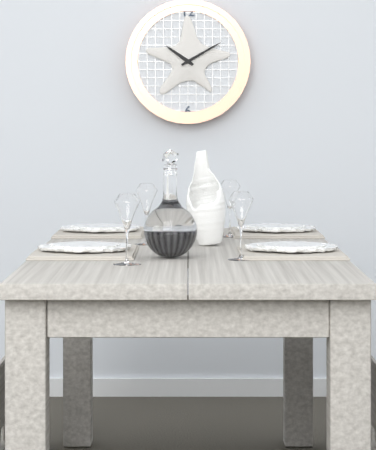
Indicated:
10.10
